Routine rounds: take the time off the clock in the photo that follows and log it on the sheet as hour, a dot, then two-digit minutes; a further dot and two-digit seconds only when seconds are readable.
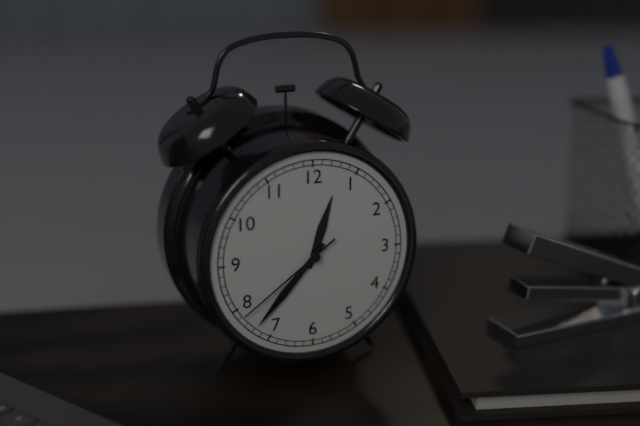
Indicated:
12.37.39
